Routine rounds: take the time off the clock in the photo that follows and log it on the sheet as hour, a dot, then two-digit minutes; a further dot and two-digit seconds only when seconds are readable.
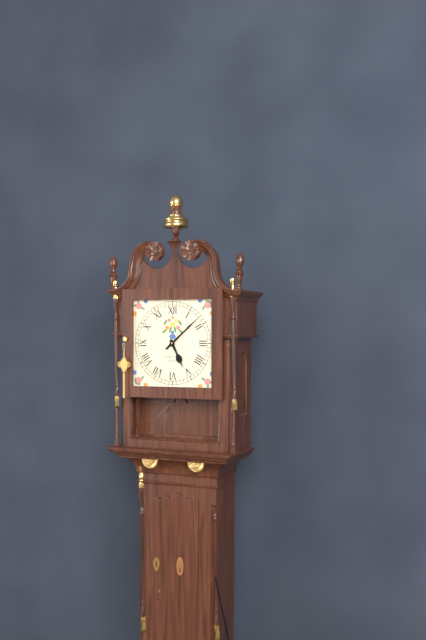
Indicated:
5.08
